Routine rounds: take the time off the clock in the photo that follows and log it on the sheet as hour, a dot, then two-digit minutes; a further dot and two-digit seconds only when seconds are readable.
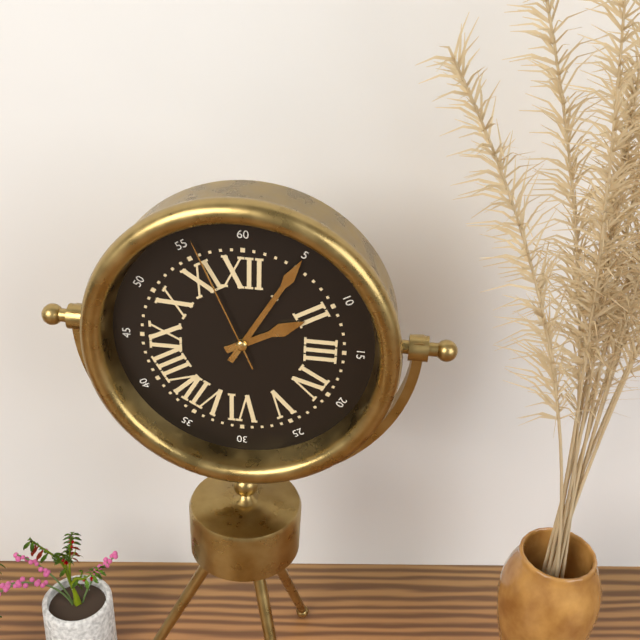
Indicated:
2.05.56
